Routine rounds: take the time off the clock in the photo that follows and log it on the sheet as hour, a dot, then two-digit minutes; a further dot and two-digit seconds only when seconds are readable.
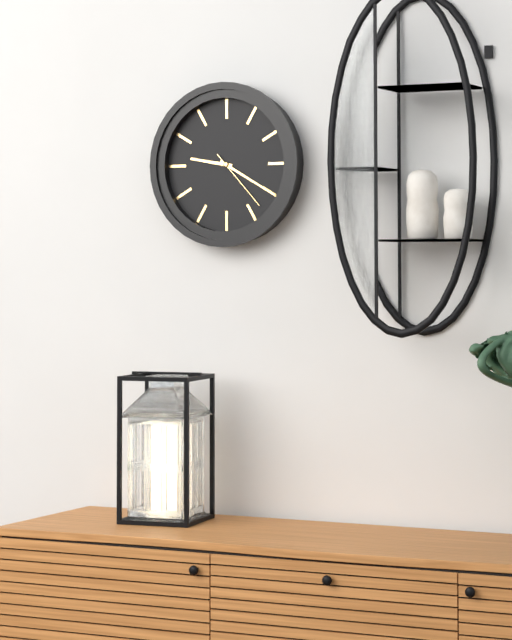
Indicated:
9.20.23
